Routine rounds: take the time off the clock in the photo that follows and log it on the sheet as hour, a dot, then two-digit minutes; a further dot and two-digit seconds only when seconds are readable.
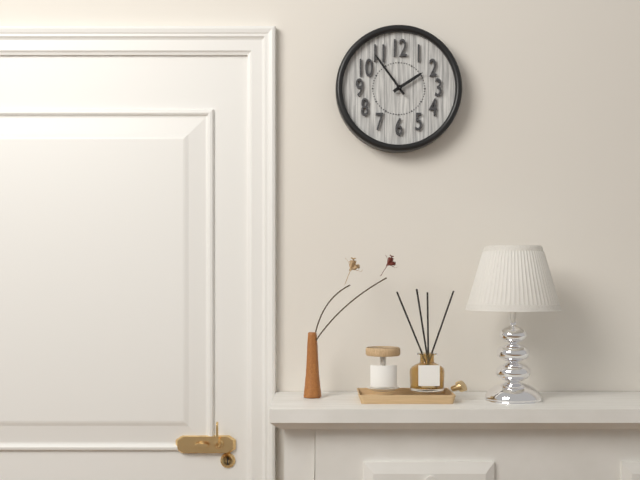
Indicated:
1.54
